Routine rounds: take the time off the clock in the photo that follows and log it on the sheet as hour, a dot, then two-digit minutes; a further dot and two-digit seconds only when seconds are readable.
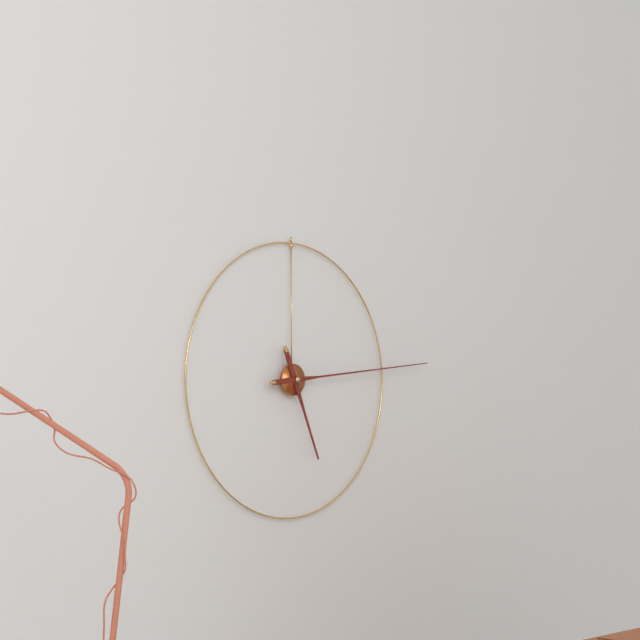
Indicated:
5.14
